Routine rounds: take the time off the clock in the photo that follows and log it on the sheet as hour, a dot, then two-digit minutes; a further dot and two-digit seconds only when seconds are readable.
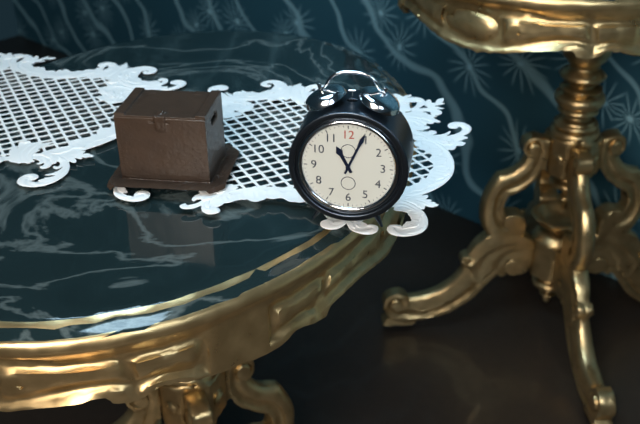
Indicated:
11.04
